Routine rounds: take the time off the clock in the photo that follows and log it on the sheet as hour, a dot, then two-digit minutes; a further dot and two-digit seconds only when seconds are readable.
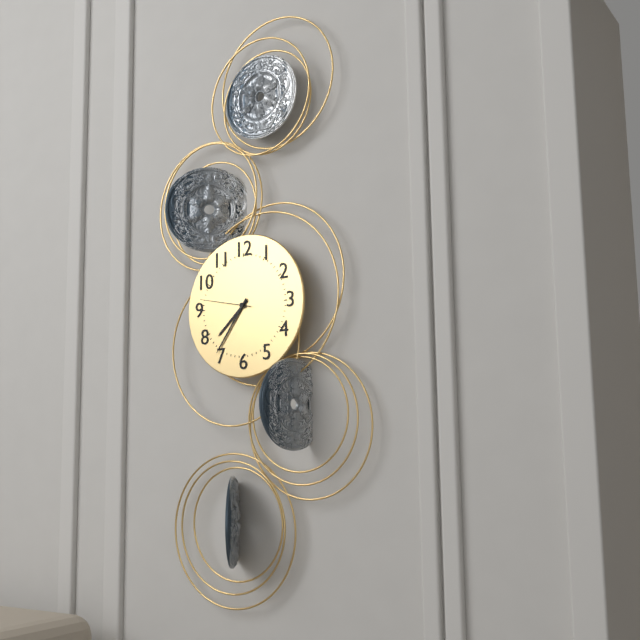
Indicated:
7.36.47
